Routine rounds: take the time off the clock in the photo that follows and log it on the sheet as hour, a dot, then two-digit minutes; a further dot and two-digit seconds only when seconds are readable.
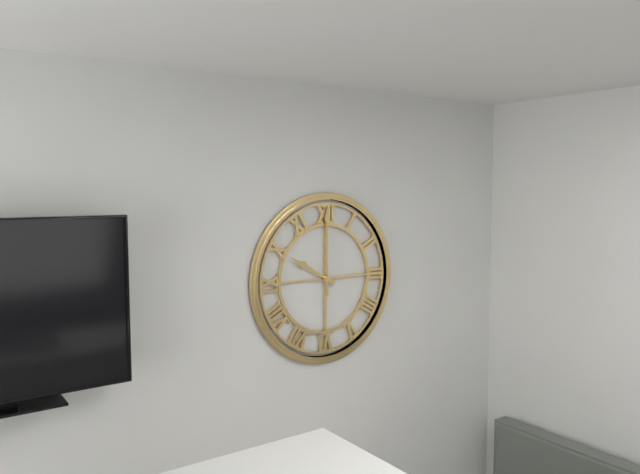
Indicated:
10.00
